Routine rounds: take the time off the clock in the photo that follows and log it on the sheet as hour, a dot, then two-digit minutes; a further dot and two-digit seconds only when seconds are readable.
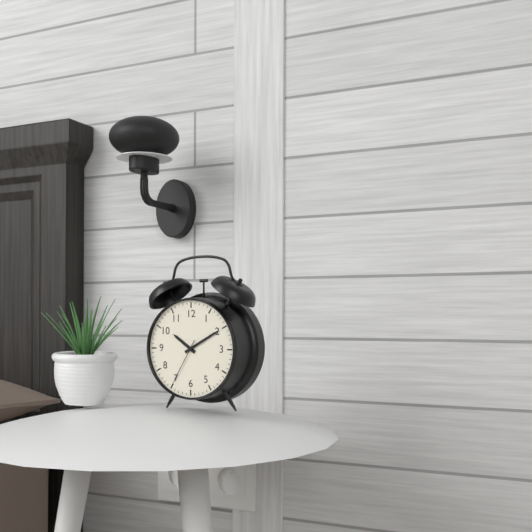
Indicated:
10.10
